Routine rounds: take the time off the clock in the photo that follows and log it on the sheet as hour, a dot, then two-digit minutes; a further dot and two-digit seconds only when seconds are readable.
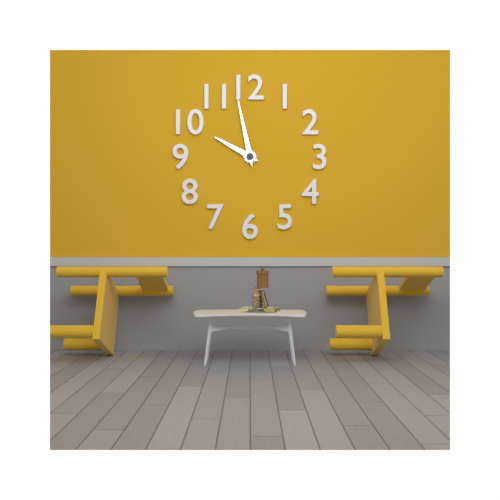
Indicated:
9.58
